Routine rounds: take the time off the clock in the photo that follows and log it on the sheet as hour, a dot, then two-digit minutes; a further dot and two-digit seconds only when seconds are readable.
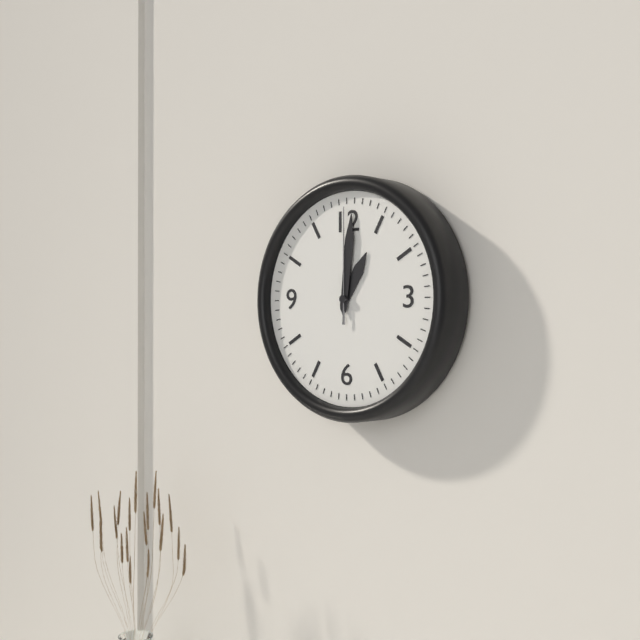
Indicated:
1.01.00
